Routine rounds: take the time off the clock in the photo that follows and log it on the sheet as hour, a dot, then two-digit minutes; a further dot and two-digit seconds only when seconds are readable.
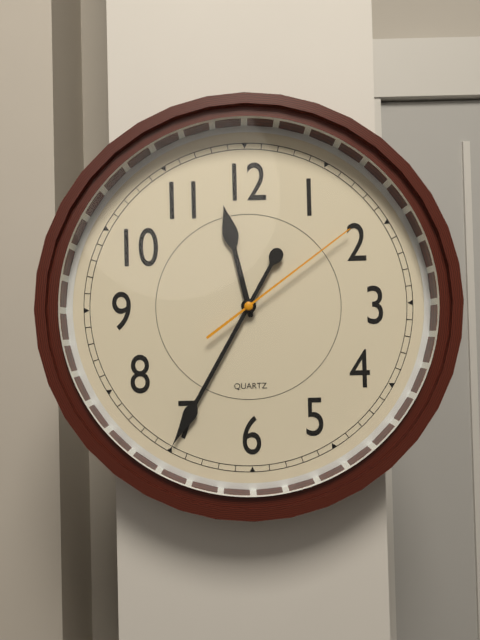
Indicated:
11.35.09
